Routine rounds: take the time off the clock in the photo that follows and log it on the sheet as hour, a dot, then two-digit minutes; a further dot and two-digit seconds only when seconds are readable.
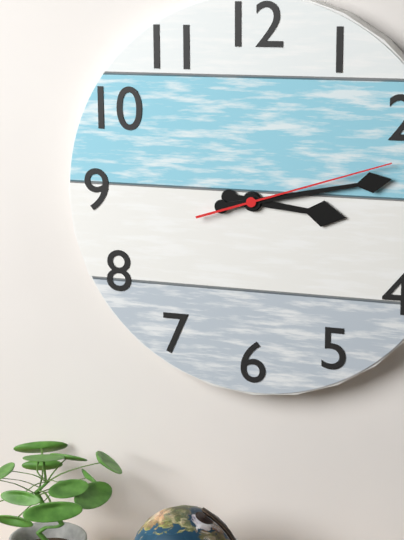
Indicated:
3.13.12
